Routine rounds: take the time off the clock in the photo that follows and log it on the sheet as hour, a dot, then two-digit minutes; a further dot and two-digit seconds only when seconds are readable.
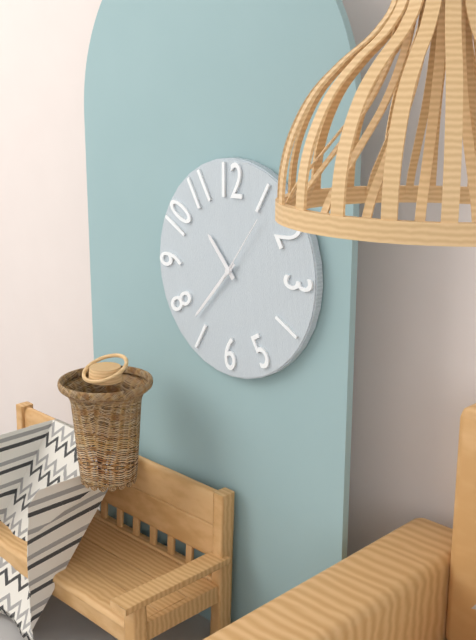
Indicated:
10.37.06
